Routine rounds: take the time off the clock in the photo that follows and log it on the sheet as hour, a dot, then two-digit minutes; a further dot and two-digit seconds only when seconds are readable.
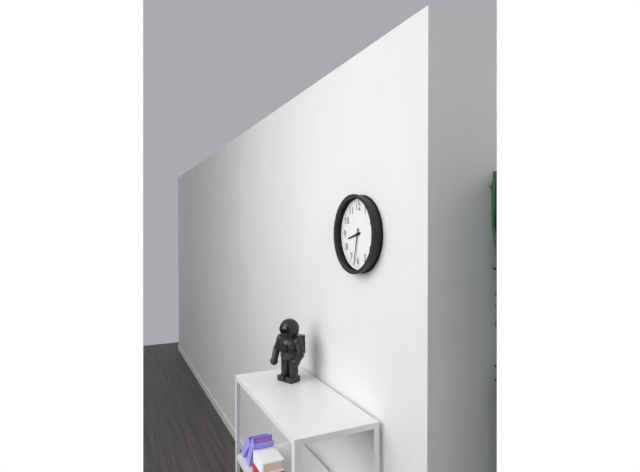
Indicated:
8.32
